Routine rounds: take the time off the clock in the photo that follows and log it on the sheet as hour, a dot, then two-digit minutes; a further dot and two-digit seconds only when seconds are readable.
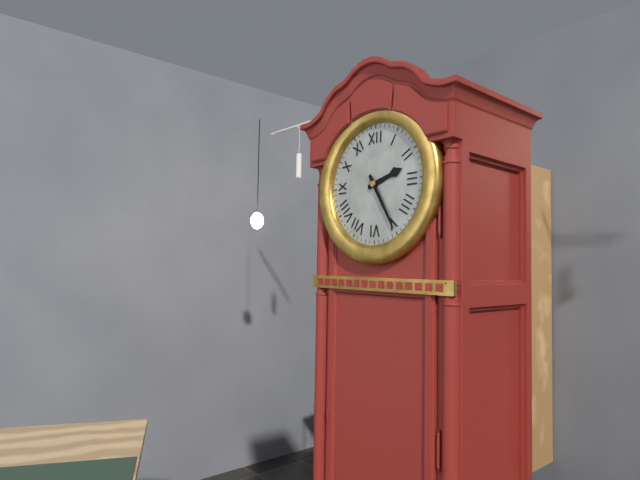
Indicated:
2.25
